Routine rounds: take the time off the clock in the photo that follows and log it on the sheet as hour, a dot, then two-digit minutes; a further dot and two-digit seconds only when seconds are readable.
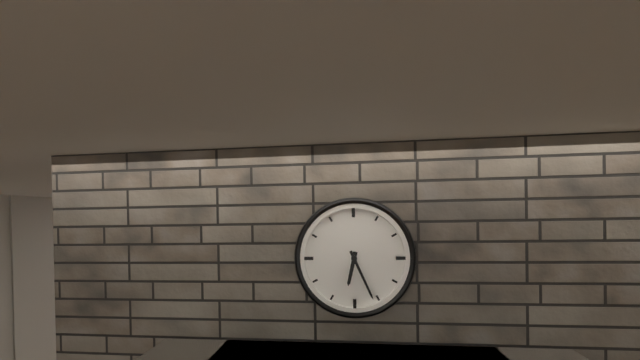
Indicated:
6.26
